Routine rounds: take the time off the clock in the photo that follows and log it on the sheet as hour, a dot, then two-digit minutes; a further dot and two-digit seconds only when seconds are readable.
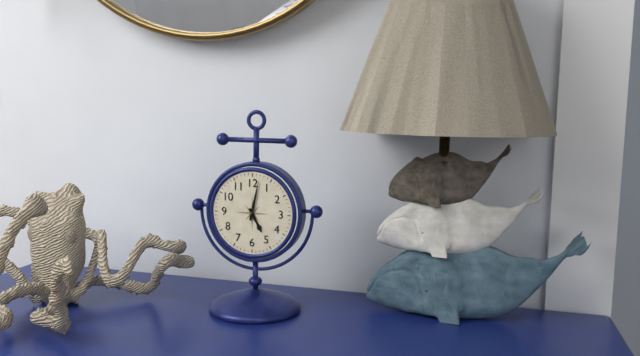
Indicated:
5.02
